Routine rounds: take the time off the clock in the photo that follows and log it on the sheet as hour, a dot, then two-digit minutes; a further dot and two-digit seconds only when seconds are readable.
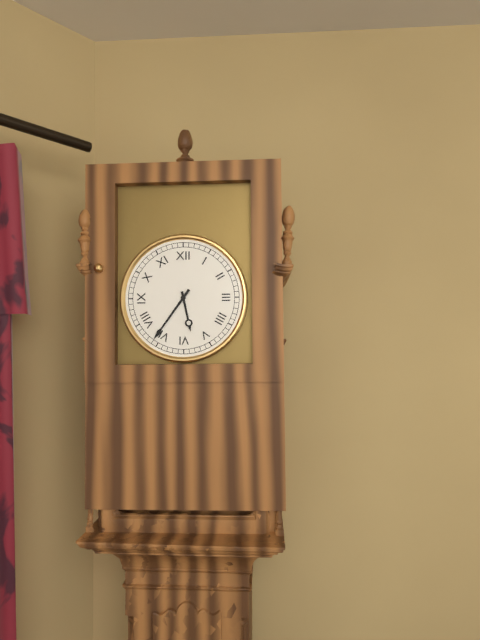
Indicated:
5.36
